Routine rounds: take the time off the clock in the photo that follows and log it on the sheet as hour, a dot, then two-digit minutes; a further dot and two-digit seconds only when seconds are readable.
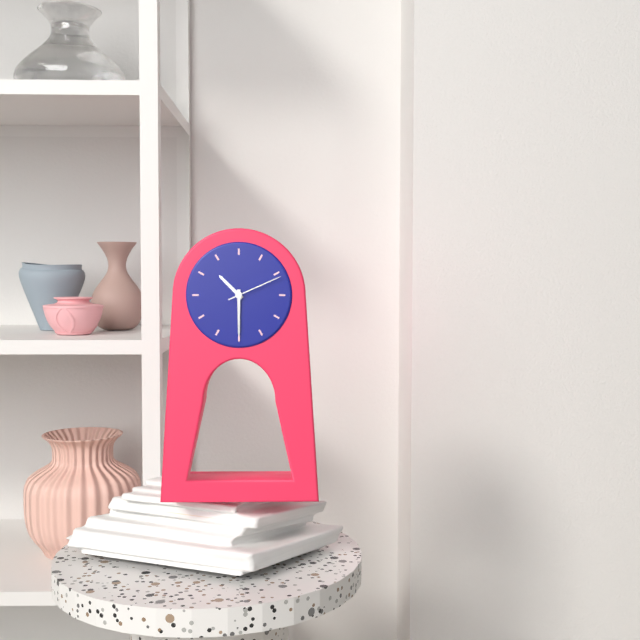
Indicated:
10.30.11
